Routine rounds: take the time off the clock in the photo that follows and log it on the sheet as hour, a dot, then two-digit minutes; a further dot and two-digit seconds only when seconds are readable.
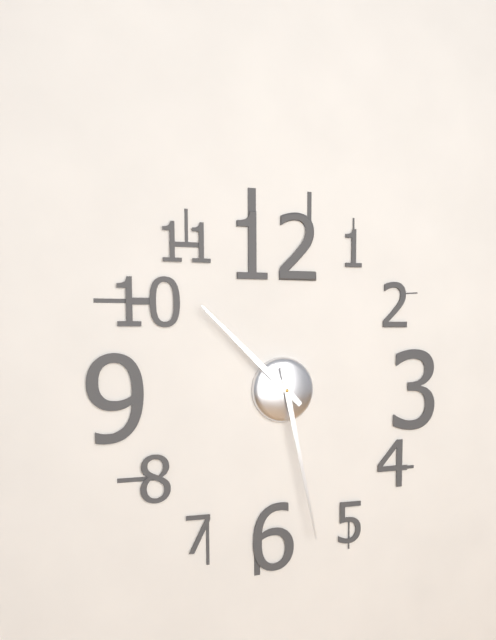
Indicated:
10.28
